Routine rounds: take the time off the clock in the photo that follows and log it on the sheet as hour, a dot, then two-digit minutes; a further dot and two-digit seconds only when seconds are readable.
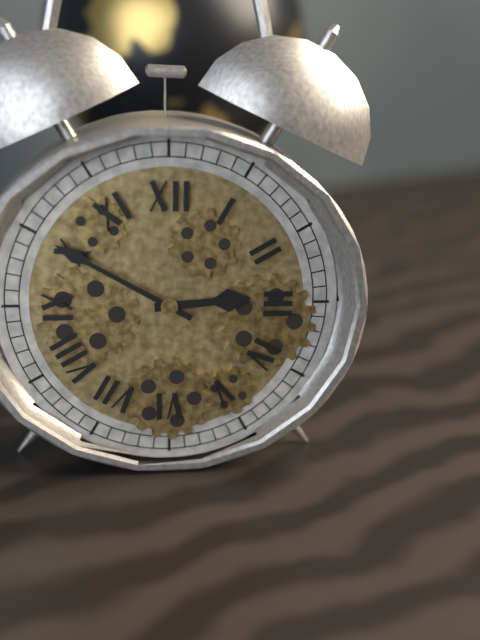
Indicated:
2.50
